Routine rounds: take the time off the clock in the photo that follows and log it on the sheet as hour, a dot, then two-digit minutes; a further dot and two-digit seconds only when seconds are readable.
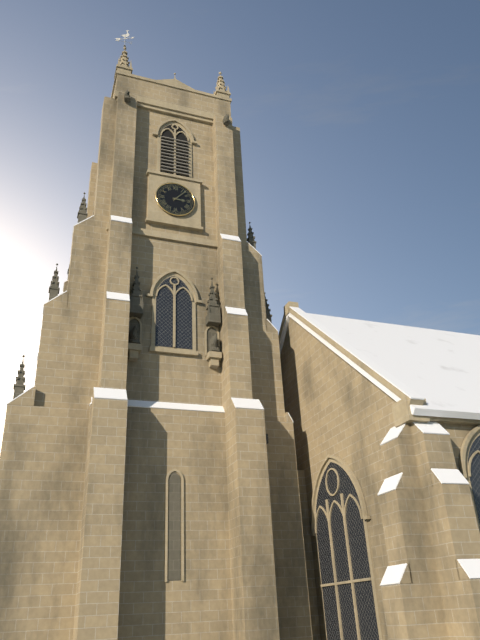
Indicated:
3.07
